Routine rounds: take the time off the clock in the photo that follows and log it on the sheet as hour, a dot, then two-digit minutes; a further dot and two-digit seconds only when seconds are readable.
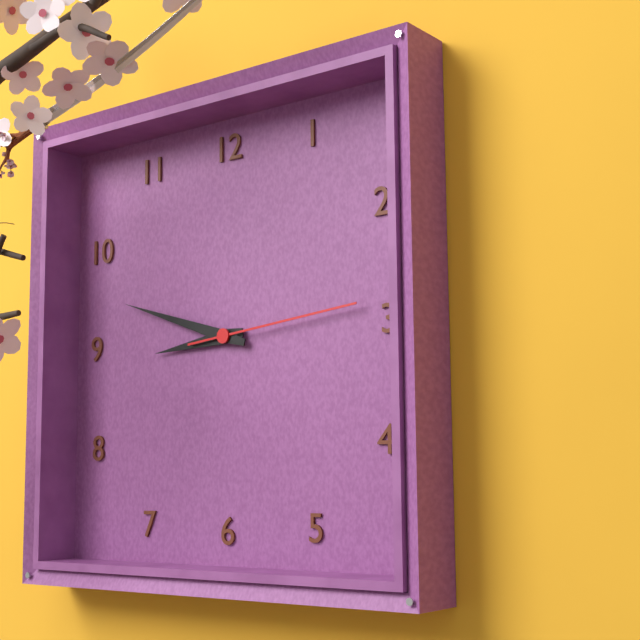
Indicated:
8.48.14
